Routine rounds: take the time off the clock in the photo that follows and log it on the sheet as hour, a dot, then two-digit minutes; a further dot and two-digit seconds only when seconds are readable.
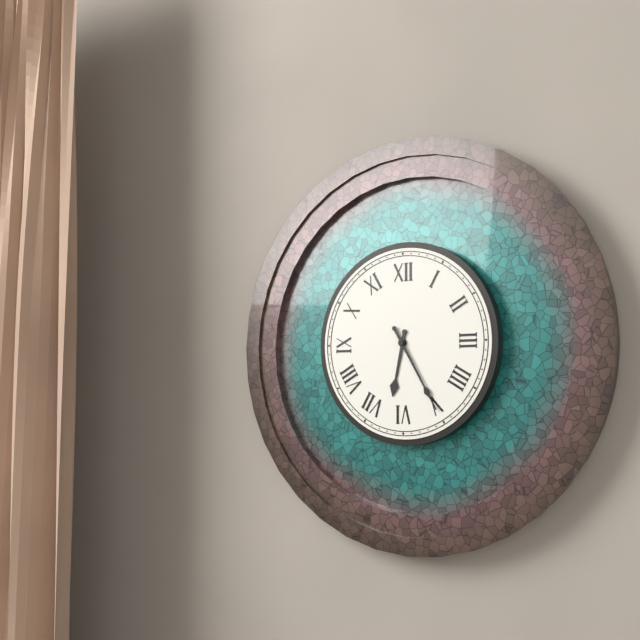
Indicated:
6.25
